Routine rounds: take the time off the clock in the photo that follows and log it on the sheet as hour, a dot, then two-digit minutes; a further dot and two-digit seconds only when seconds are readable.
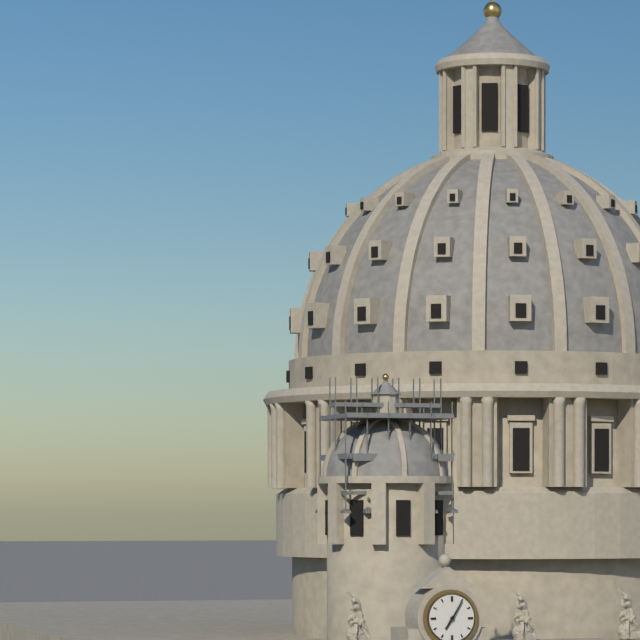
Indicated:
7.05
